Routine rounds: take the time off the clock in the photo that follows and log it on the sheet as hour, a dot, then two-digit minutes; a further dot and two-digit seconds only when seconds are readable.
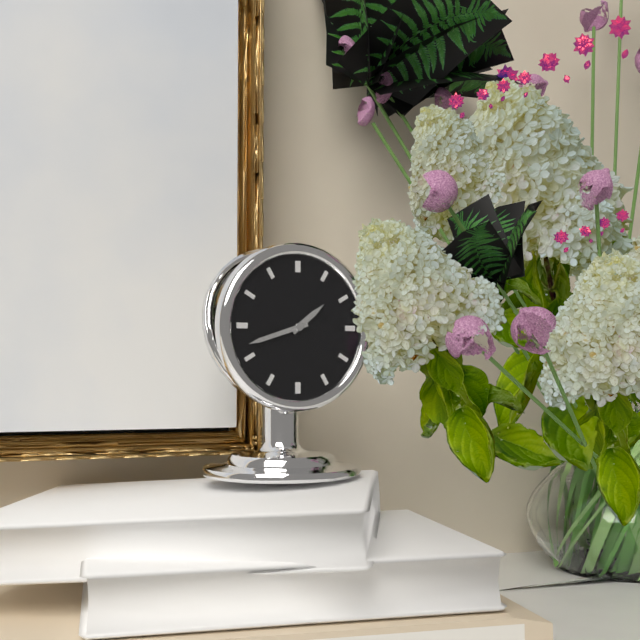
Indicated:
1.42
